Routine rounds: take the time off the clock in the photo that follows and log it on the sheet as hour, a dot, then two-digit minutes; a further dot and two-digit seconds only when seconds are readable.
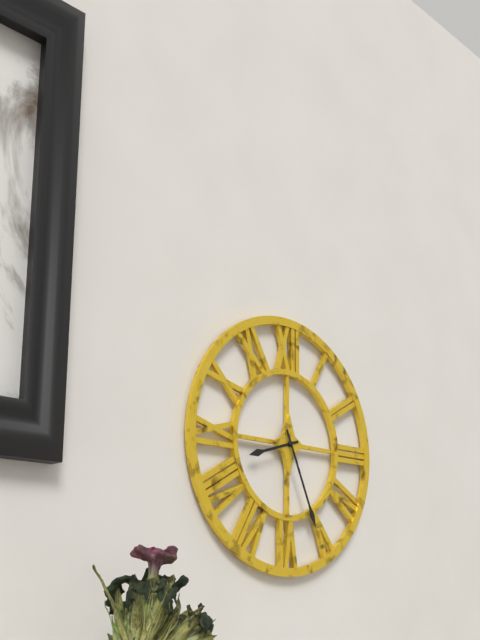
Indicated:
8.26
